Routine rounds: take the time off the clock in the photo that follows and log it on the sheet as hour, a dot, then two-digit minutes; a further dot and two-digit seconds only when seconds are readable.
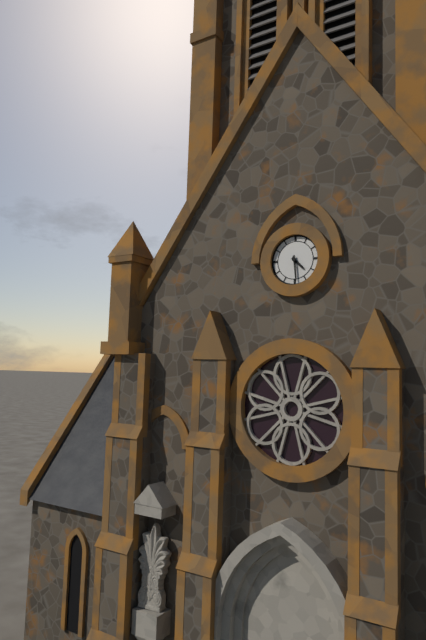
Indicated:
4.29
